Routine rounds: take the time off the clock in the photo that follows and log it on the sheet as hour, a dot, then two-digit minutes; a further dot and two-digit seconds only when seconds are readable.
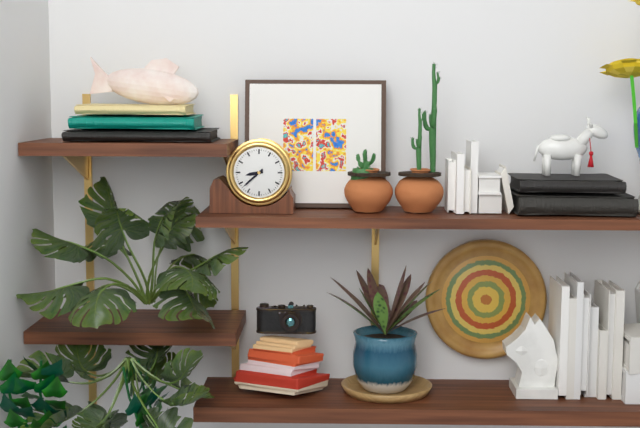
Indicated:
8.38
